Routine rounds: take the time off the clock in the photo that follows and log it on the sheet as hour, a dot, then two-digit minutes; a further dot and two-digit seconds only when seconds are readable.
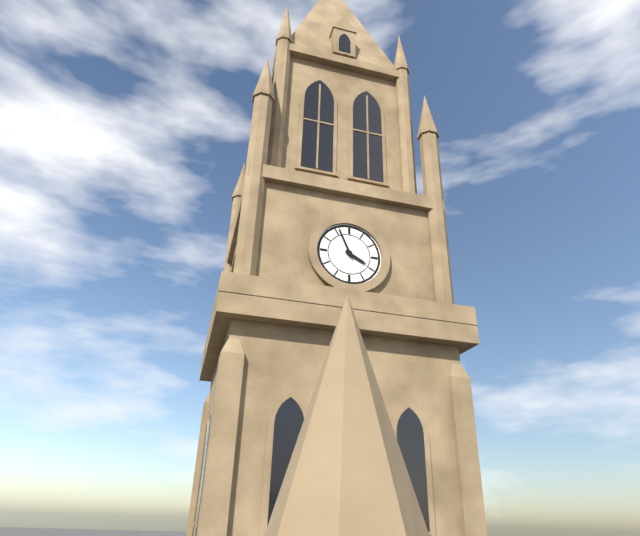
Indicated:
3.56
